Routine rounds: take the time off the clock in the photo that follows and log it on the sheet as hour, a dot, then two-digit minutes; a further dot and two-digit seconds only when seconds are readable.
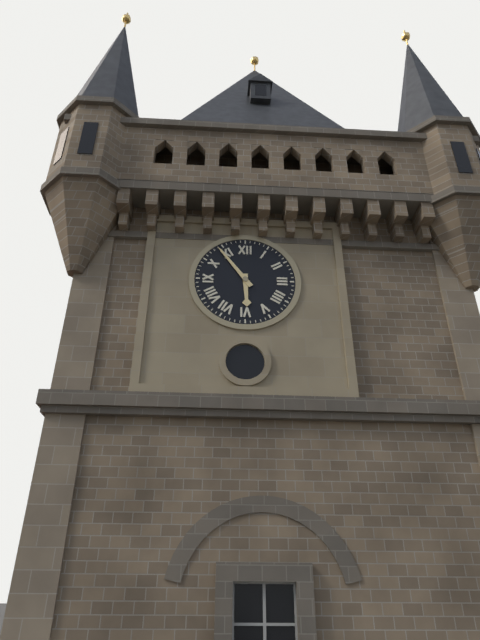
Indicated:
5.54
